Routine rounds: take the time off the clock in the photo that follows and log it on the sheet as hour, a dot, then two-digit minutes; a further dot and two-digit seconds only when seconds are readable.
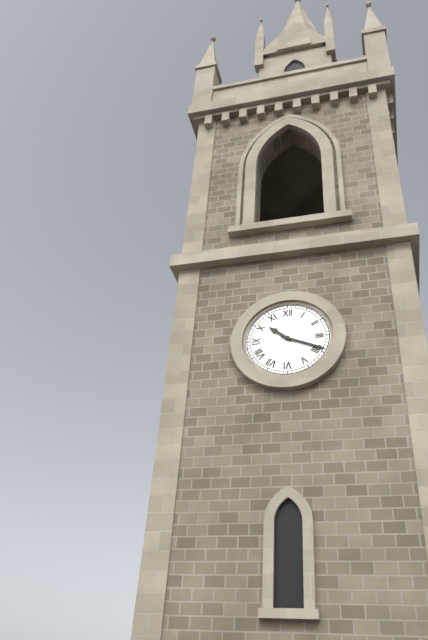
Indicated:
10.19
